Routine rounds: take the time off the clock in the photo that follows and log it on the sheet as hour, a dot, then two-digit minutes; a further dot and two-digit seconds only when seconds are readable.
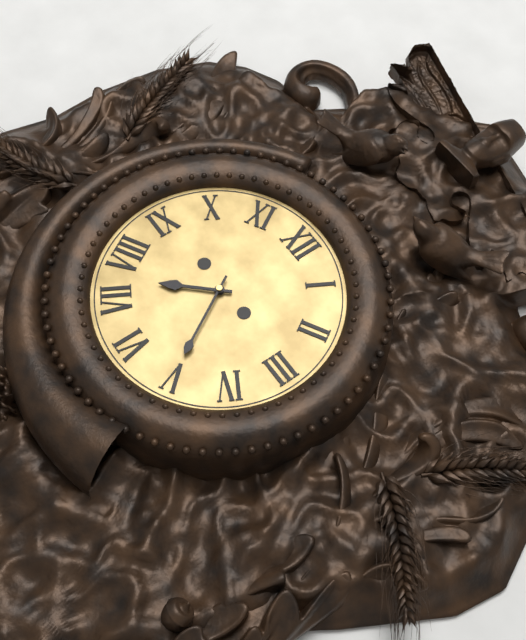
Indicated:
7.25
